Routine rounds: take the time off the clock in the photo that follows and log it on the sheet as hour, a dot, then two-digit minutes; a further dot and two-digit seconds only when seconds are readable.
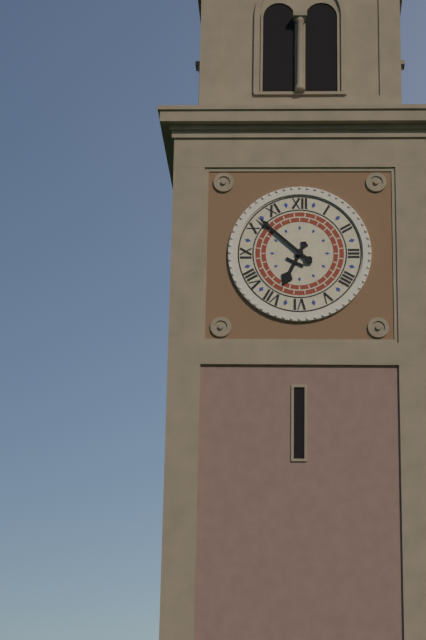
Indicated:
6.52
